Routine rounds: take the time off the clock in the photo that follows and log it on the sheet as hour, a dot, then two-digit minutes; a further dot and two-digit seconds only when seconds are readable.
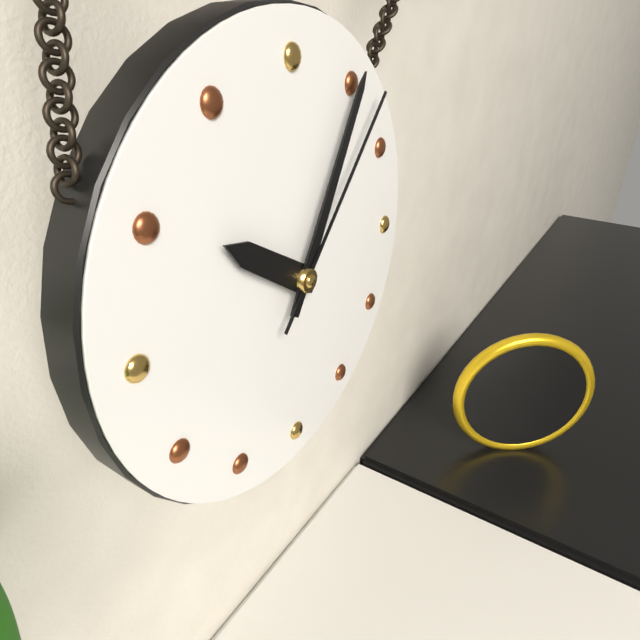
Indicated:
10.05.07
